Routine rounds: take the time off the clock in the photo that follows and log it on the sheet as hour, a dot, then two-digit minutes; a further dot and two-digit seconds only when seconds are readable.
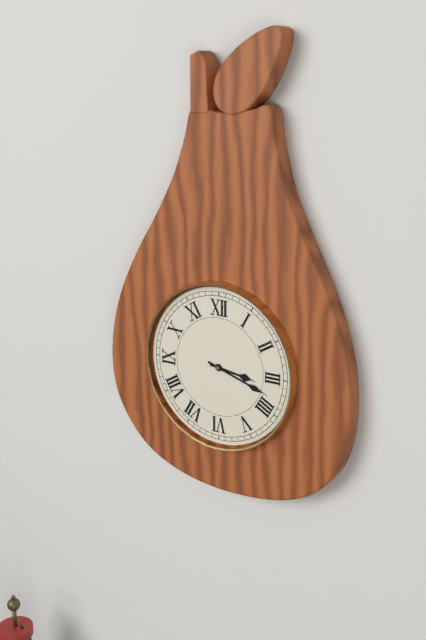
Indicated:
3.18
